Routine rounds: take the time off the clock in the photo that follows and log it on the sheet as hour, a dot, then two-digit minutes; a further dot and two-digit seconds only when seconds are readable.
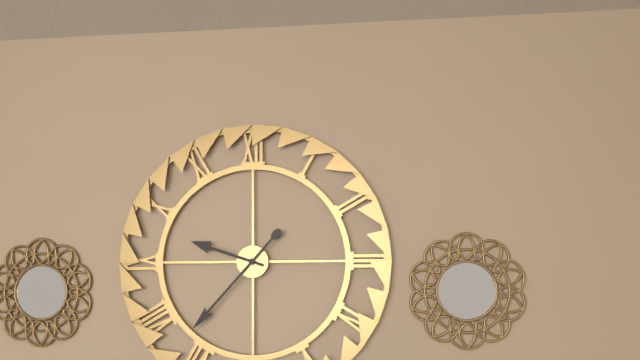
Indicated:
9.37
